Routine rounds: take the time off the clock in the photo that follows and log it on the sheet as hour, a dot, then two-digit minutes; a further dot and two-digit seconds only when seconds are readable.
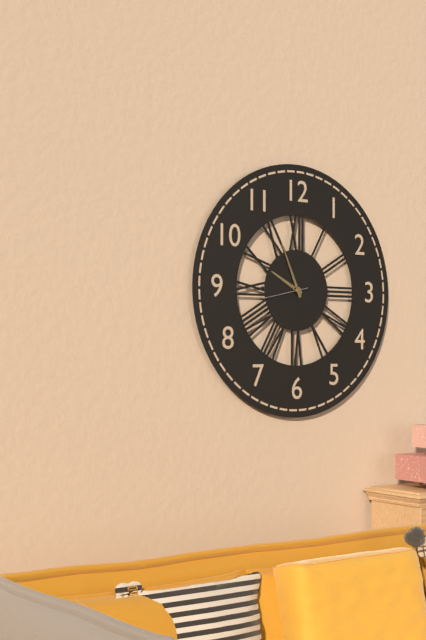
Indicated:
9.56
